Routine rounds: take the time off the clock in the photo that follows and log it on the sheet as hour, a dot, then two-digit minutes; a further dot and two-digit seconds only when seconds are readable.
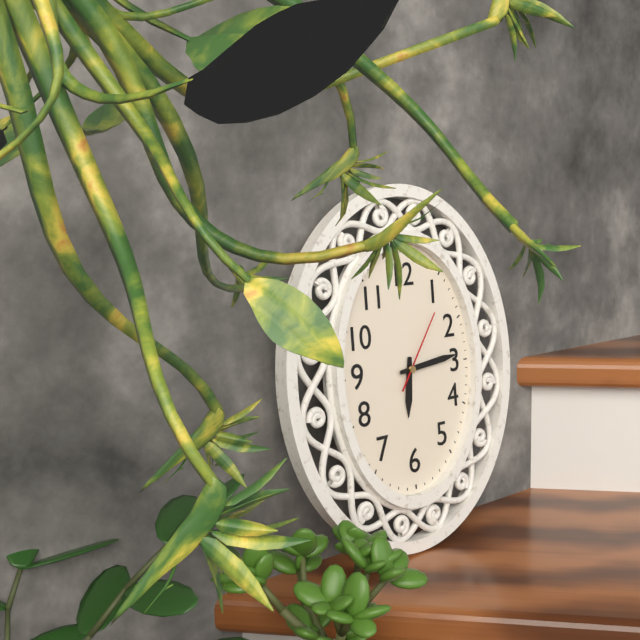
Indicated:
6.14.06
